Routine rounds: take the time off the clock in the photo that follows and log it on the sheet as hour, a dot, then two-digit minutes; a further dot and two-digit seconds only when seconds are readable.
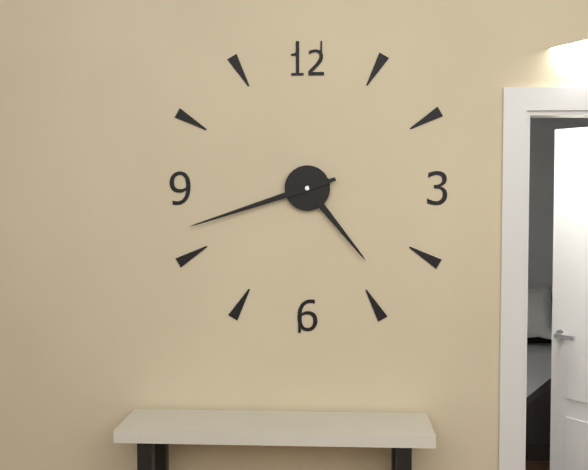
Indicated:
4.42
